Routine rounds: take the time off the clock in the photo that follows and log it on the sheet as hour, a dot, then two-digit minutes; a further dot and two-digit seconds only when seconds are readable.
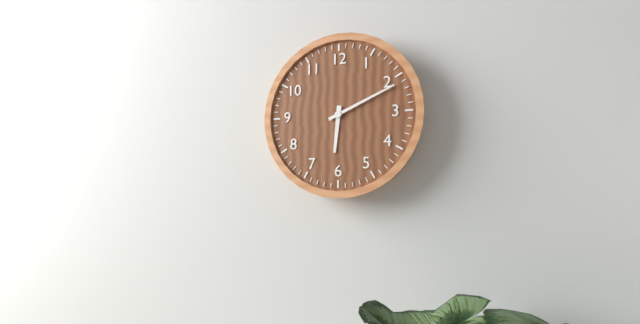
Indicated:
6.11
